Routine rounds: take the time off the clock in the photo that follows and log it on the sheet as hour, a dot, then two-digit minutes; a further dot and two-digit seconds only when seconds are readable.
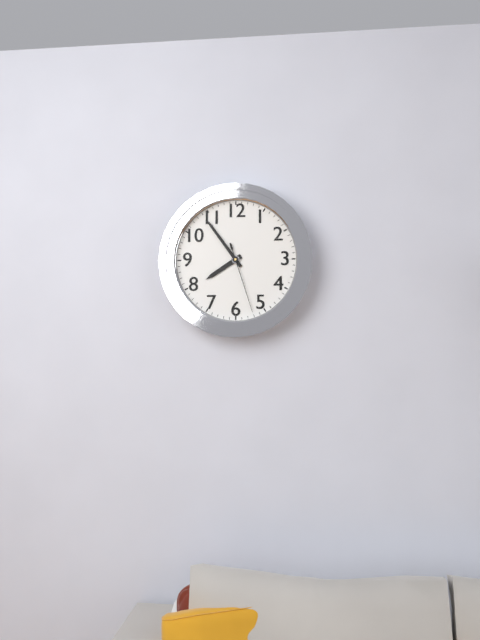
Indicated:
7.54.27
